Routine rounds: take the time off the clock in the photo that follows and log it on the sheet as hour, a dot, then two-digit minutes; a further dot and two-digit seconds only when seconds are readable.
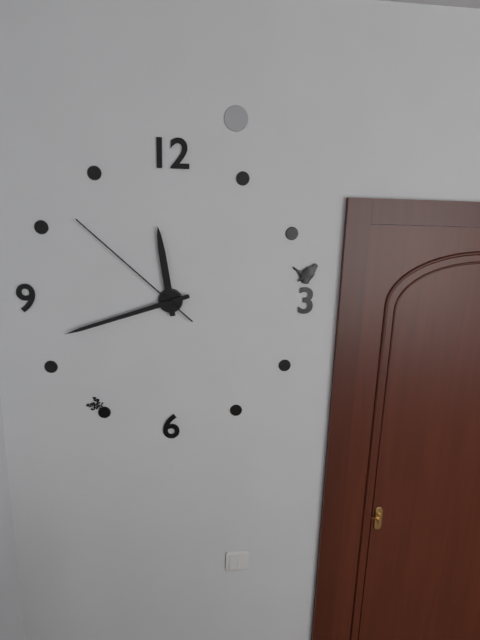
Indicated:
11.42.52
